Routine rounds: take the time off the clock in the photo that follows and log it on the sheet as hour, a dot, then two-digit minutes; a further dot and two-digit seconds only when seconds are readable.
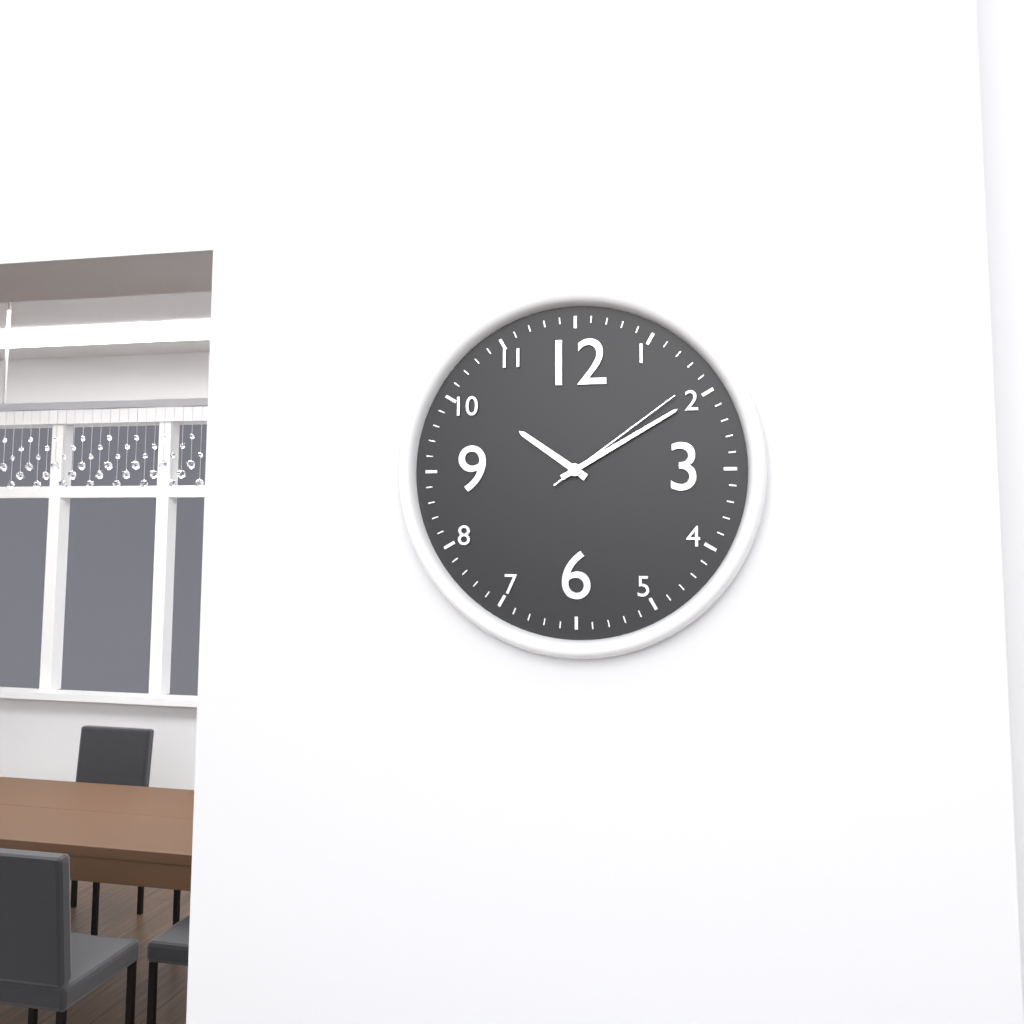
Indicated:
10.10.09
